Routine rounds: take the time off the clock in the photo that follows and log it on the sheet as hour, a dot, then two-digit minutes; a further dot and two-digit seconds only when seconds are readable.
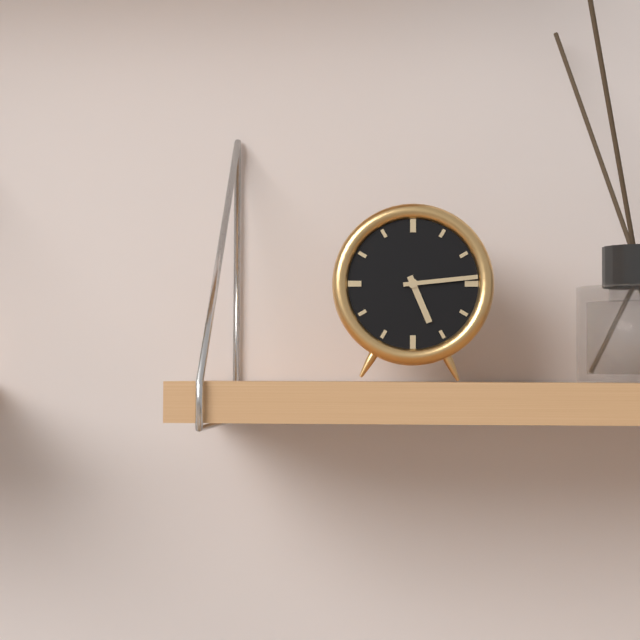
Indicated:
5.14
